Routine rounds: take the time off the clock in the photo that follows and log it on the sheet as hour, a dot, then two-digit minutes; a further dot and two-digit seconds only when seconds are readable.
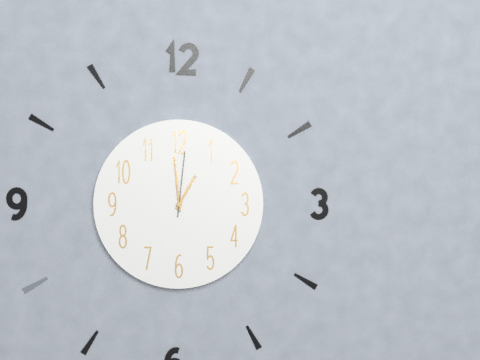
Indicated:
12.59.01
